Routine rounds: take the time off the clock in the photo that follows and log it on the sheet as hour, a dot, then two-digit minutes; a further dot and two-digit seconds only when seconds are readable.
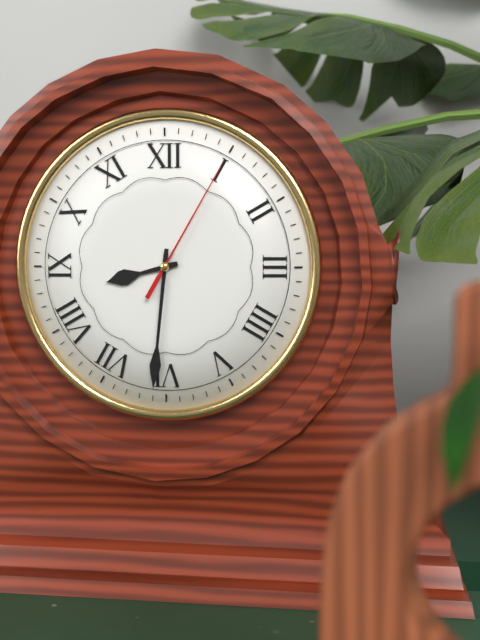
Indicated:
8.31.05
